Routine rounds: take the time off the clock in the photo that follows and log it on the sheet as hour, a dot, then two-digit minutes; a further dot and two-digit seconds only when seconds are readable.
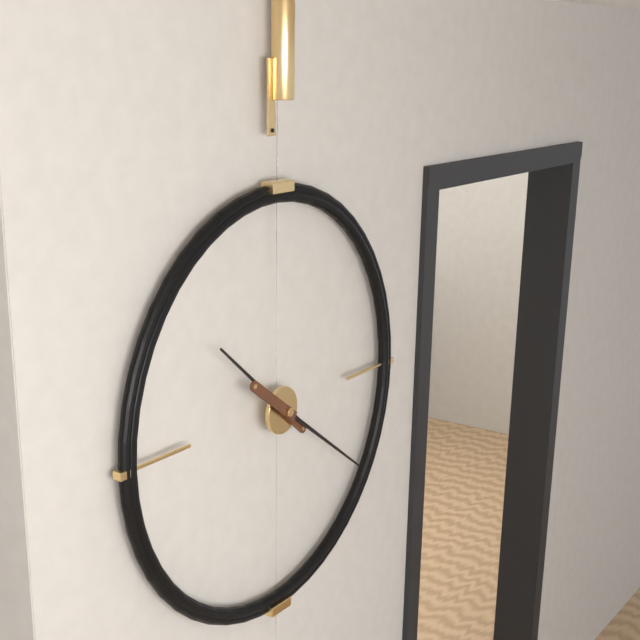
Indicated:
10.21
